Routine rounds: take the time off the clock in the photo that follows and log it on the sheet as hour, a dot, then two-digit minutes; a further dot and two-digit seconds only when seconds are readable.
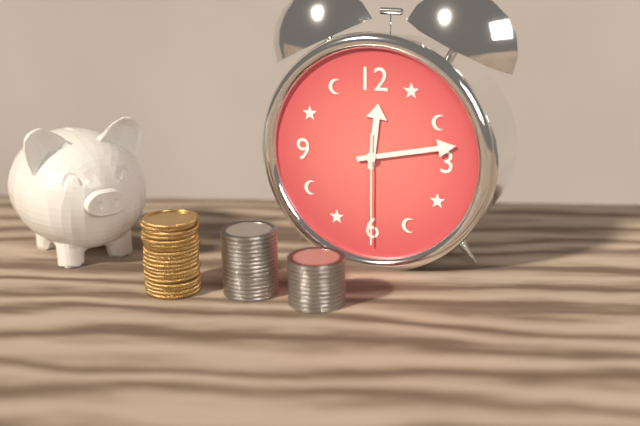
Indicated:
12.13.30
